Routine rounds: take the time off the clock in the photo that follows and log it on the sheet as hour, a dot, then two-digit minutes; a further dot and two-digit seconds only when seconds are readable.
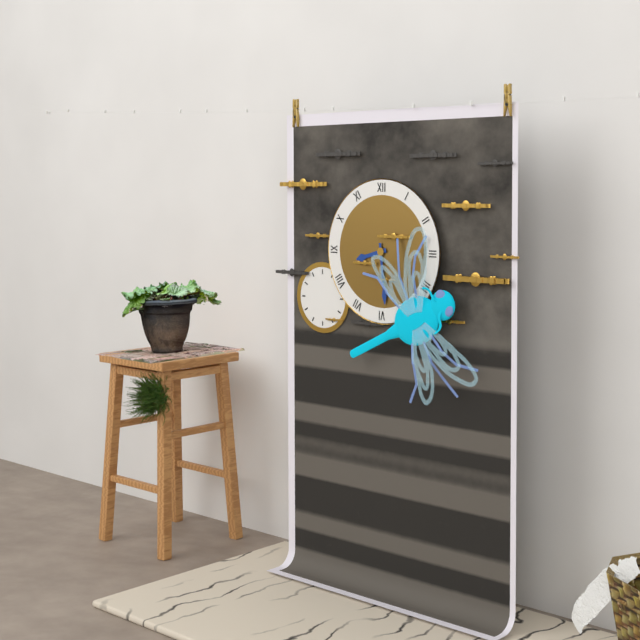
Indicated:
8.29
